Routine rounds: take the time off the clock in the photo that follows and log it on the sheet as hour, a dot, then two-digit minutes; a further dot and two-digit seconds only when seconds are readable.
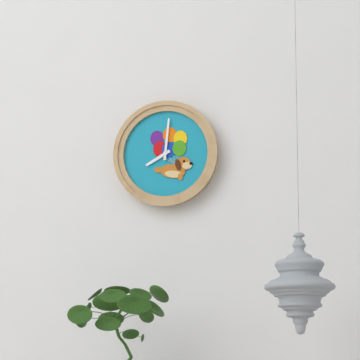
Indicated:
8.01
